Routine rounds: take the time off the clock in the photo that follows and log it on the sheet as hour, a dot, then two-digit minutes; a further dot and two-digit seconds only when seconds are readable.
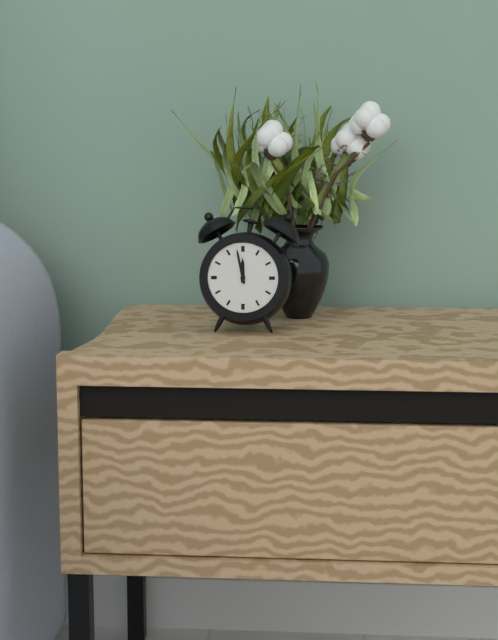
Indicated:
11.58
